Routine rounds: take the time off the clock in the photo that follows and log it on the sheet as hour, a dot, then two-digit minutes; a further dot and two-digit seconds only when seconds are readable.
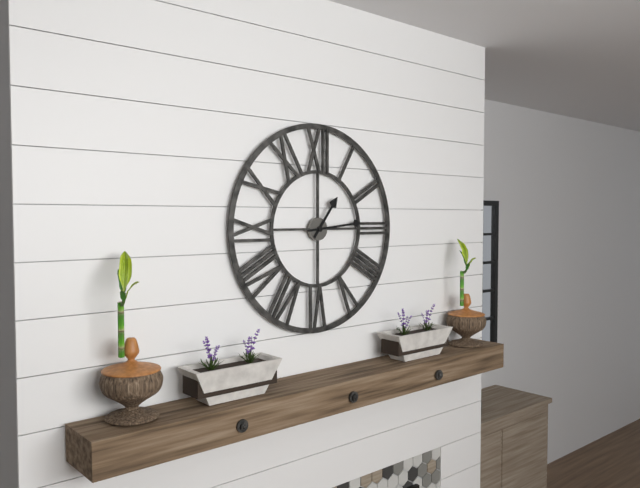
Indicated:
1.14
